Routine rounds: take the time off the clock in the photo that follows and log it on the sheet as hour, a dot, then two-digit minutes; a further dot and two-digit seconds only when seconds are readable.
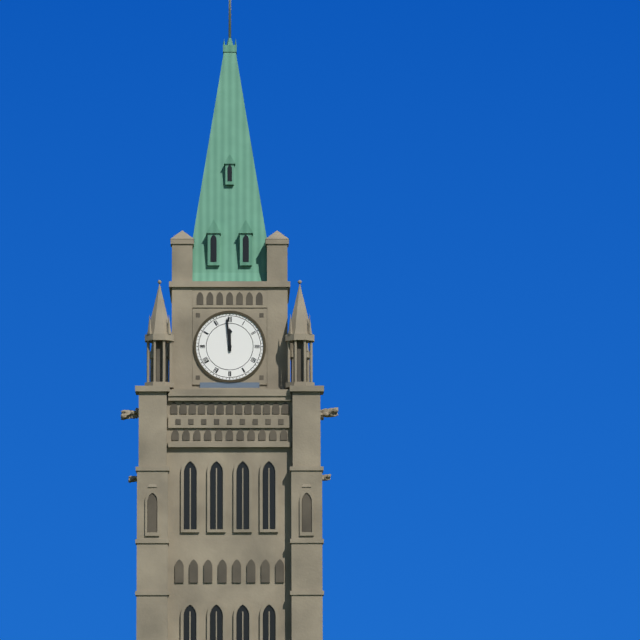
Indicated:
11.59
